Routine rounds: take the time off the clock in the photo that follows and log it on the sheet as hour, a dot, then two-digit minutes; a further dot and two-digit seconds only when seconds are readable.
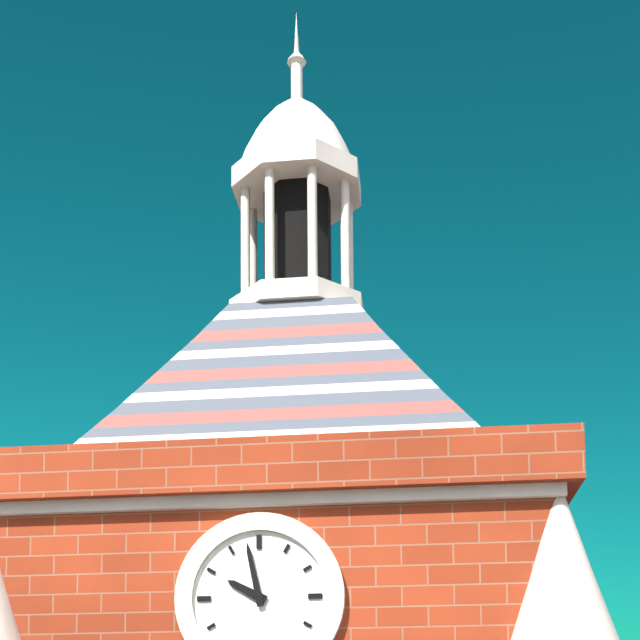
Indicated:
9.58
